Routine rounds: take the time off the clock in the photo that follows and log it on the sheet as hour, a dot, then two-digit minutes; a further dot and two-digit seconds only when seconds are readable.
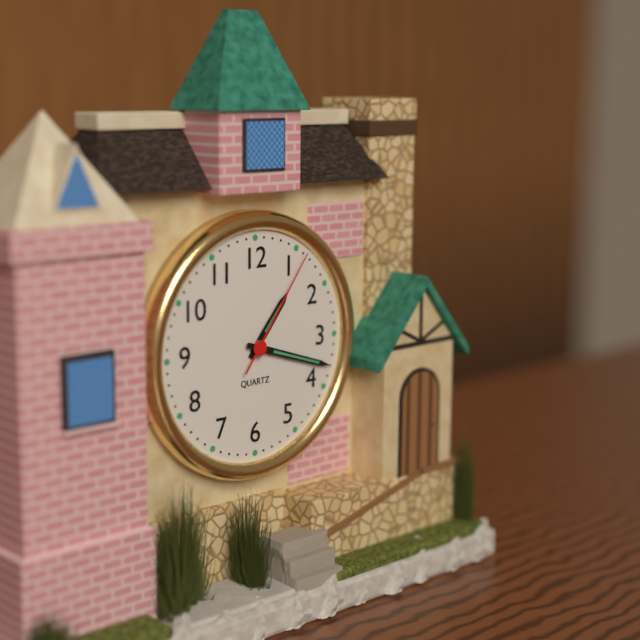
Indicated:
1.18.06
